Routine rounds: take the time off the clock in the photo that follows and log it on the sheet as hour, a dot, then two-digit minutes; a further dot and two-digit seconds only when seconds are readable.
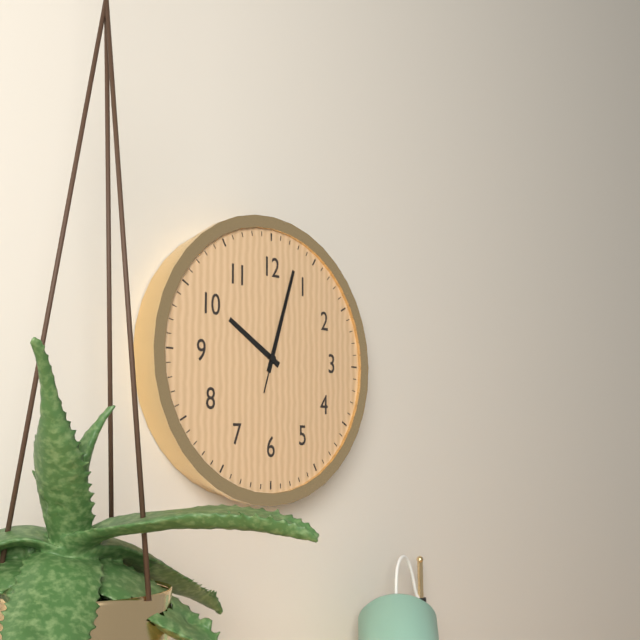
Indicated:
10.03.03
